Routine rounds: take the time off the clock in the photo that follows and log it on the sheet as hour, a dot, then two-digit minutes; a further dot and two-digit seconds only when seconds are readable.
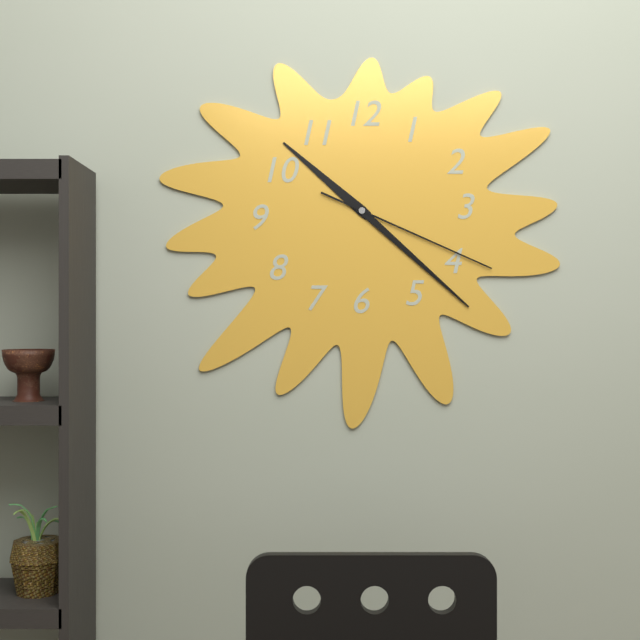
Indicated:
10.22.19
